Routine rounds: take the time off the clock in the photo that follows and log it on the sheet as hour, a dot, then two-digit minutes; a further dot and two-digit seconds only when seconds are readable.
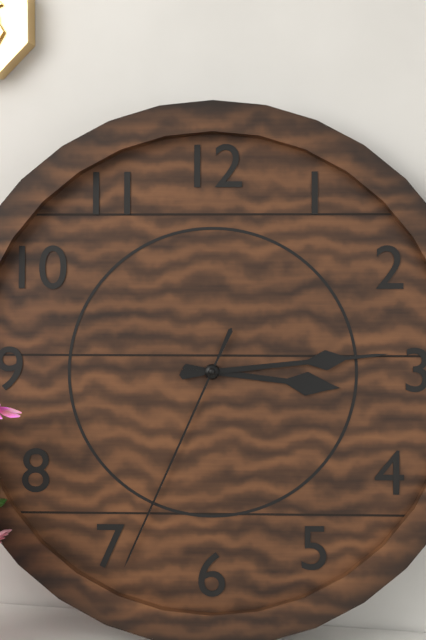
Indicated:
3.14.34
